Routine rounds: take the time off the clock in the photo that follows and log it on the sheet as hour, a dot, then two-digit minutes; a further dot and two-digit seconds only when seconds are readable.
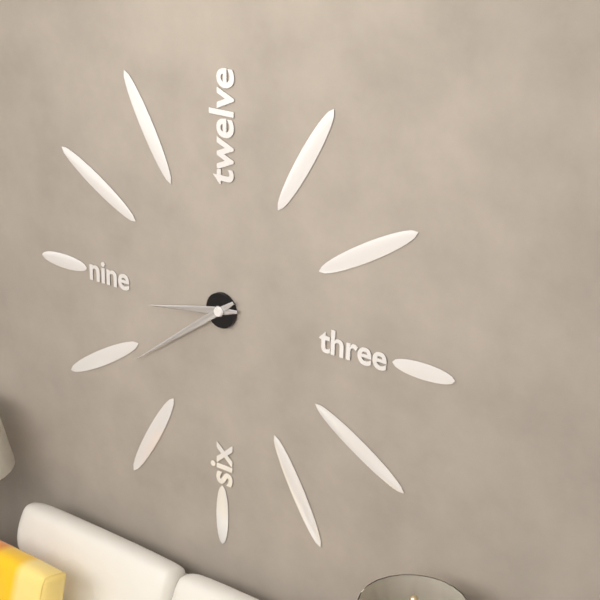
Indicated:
8.39
